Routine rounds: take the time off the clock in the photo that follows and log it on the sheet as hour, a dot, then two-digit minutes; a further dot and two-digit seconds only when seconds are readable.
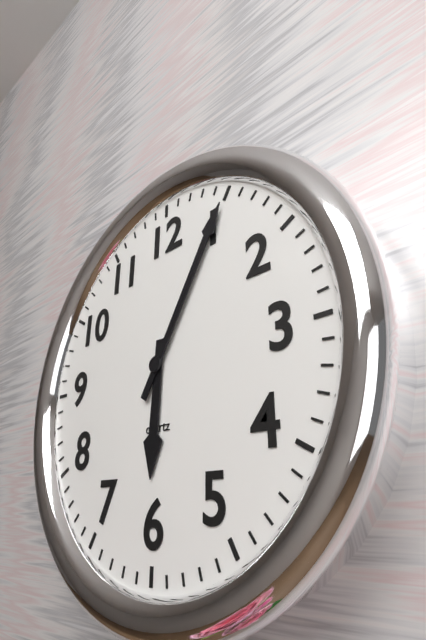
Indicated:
6.05
